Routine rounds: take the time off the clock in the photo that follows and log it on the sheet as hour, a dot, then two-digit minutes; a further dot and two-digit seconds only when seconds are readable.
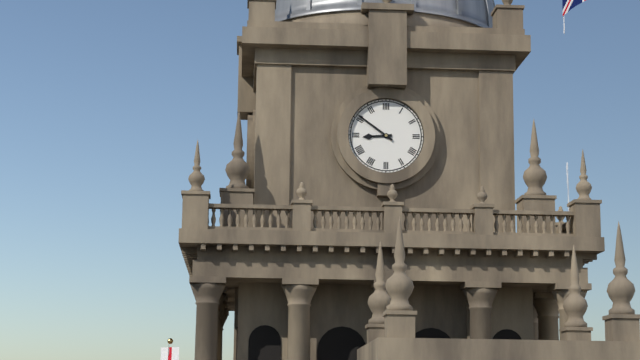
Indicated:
8.51
